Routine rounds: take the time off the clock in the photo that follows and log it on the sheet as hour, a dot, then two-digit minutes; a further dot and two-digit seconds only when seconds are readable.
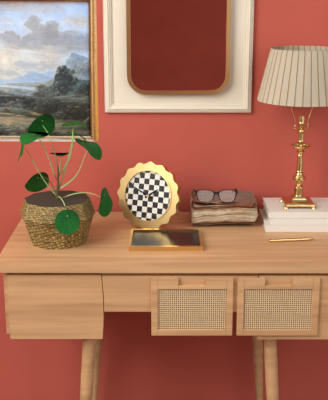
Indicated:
1.49
